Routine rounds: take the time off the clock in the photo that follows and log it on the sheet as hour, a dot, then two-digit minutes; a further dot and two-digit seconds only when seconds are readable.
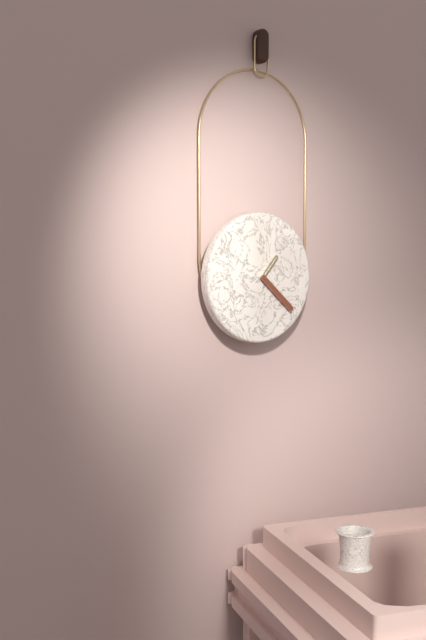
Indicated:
1.22
